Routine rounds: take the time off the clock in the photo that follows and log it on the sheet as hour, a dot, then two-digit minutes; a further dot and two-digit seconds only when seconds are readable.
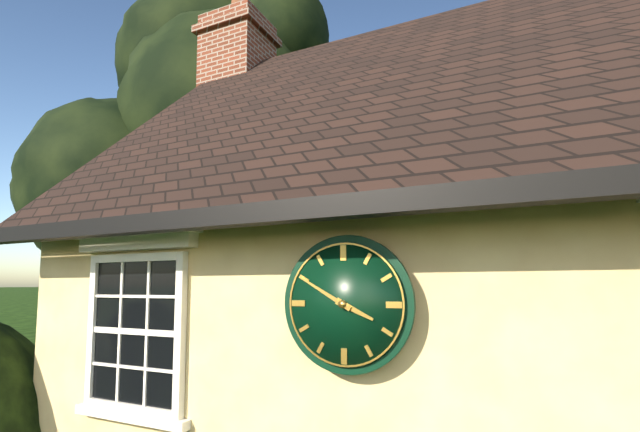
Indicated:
3.50
